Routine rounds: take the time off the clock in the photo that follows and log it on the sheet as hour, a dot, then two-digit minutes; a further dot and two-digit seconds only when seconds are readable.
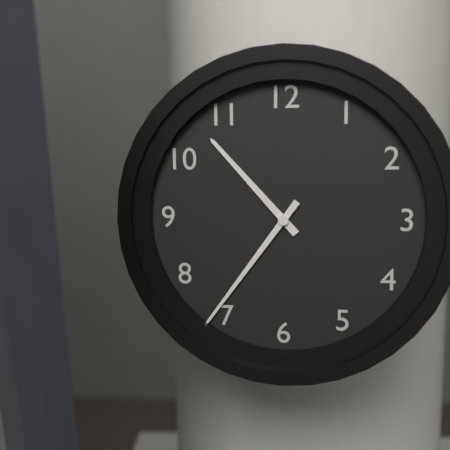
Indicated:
10.36
